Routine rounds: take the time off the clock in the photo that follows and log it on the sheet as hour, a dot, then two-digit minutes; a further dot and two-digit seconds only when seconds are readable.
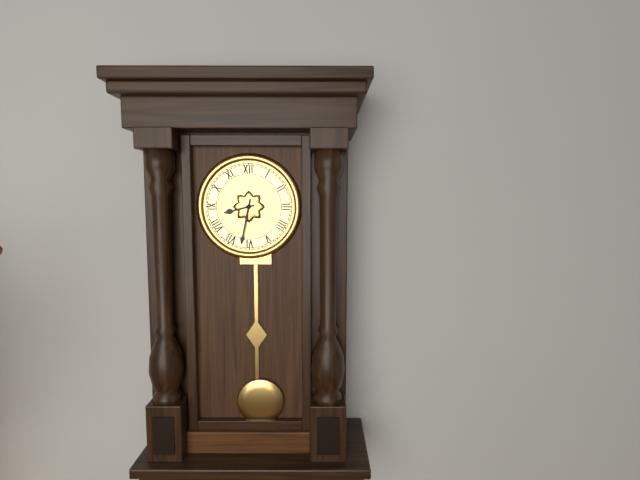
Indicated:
8.32
